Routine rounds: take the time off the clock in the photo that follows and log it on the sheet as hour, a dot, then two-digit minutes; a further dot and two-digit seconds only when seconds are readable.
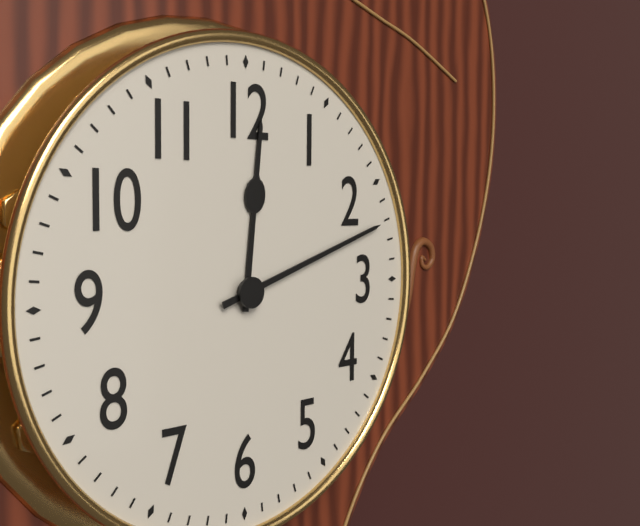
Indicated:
12.12
